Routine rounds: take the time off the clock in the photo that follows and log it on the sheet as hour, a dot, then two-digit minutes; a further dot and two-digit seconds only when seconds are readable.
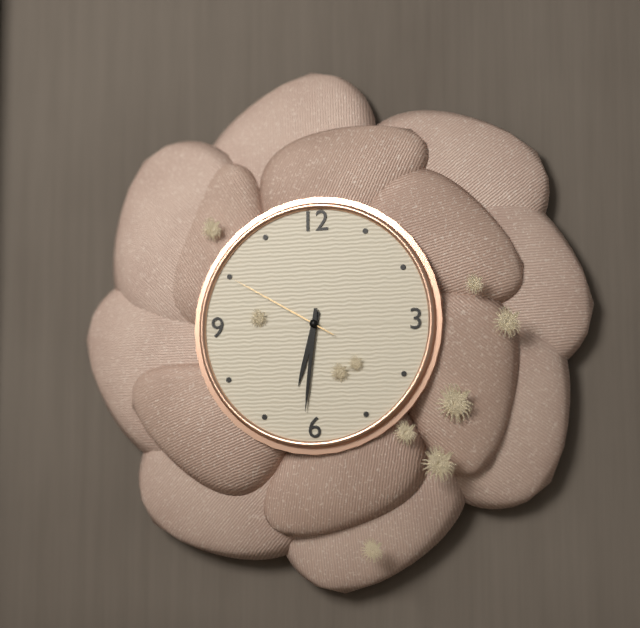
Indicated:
6.31.50
